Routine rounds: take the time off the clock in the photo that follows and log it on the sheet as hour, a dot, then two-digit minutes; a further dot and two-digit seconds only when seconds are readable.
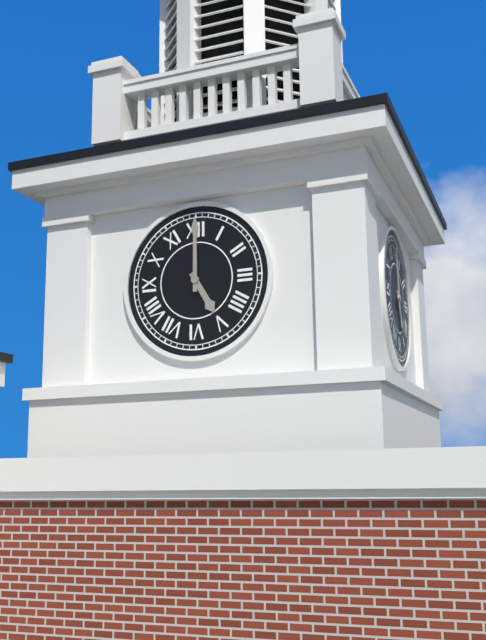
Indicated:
5.00
